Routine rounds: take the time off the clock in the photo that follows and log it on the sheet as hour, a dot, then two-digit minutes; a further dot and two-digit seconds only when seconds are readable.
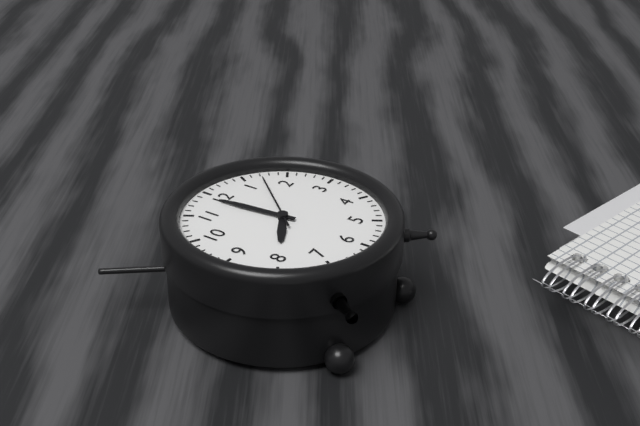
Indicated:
7.59.07
